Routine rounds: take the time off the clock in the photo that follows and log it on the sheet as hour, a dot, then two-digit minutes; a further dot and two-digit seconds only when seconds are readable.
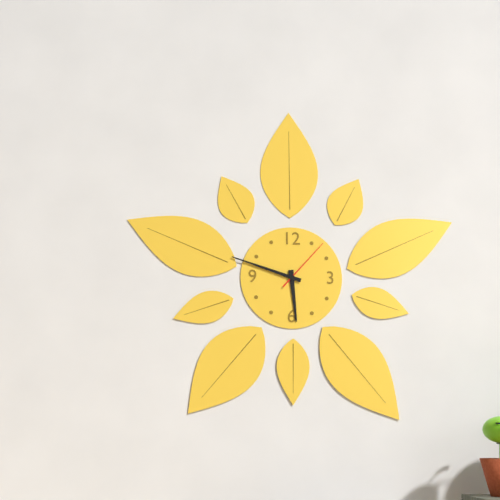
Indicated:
5.48.07
